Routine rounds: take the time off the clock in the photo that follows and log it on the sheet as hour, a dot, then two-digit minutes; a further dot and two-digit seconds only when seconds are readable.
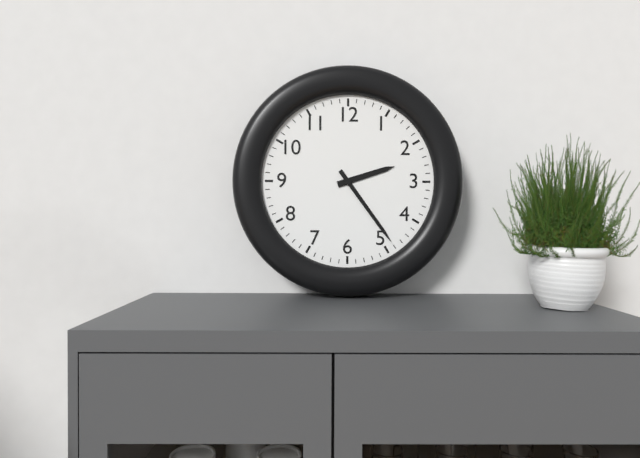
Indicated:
2.24
